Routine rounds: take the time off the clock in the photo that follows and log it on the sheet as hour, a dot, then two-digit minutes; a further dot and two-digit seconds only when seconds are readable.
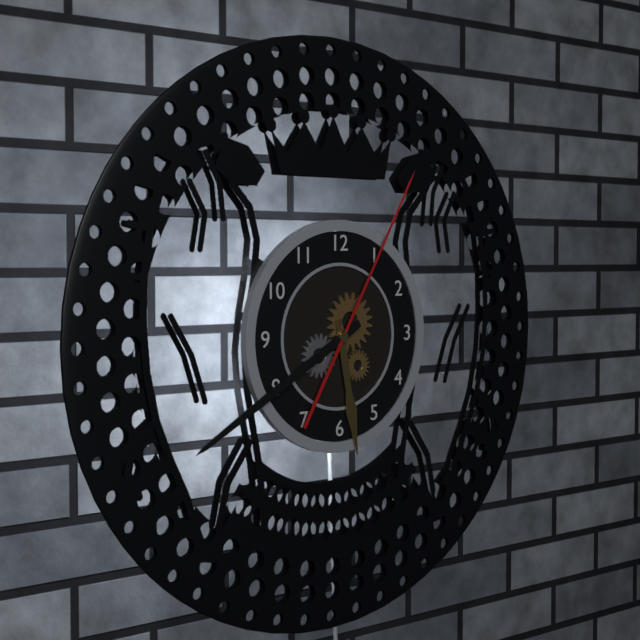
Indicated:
5.40.05
